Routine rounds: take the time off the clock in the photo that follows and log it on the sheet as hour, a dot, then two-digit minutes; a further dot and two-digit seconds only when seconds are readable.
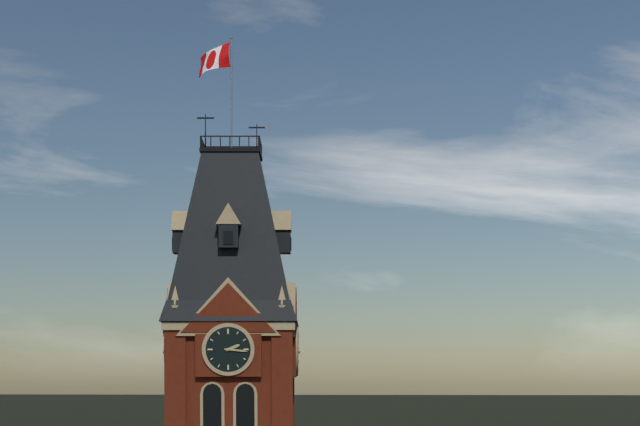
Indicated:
2.16
